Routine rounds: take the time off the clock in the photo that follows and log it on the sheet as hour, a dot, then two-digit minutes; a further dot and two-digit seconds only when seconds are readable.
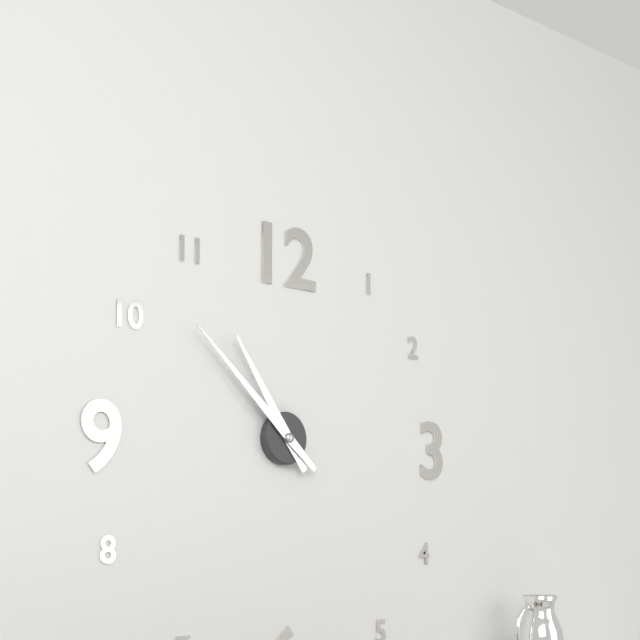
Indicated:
10.52
